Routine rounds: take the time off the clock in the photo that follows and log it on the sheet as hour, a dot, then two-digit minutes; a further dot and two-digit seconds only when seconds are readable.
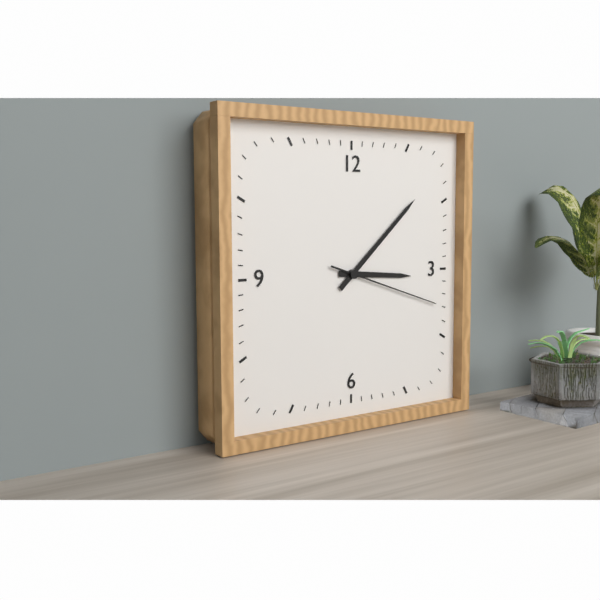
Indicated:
3.08.18
